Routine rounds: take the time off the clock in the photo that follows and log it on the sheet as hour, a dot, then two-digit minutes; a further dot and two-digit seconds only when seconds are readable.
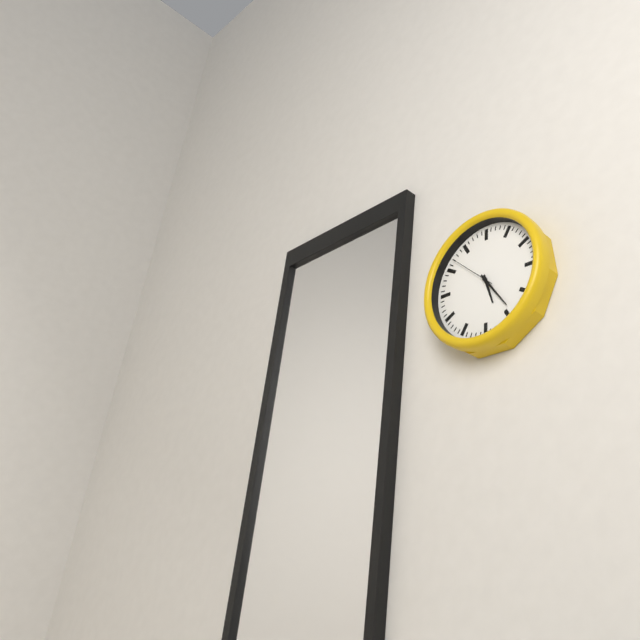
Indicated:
5.24.52
